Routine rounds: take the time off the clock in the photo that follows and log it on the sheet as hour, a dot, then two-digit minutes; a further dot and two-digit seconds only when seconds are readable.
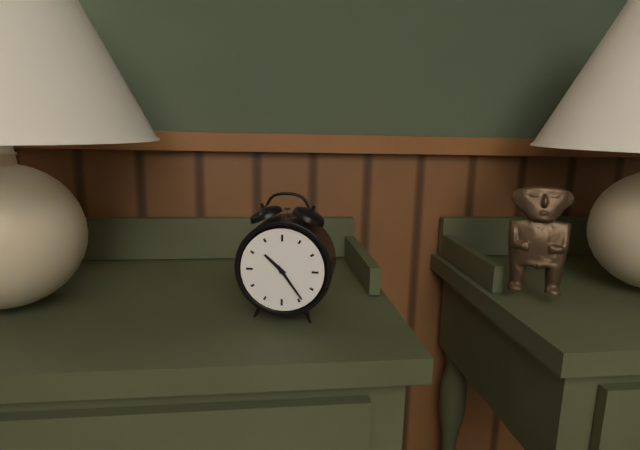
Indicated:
10.24
